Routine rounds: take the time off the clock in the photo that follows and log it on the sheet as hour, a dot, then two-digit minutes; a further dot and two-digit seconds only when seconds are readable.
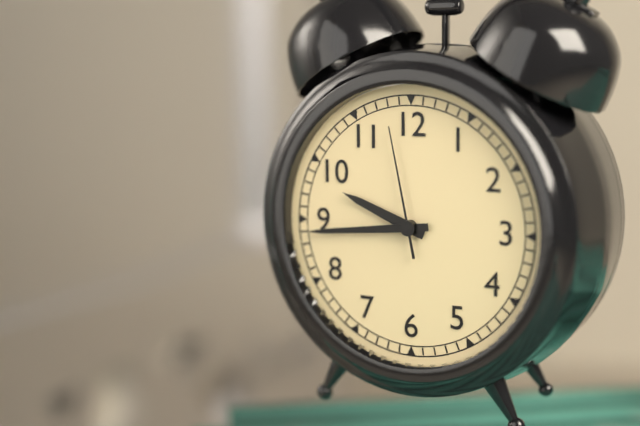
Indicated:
9.44.58
